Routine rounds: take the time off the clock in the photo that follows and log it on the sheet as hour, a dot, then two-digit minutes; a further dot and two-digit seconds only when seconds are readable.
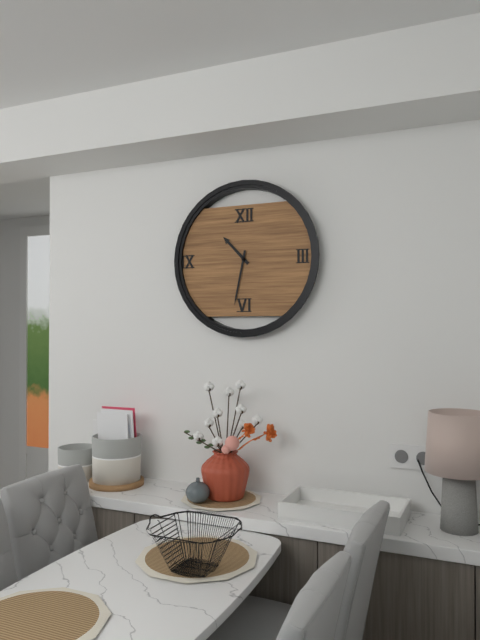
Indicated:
10.32
